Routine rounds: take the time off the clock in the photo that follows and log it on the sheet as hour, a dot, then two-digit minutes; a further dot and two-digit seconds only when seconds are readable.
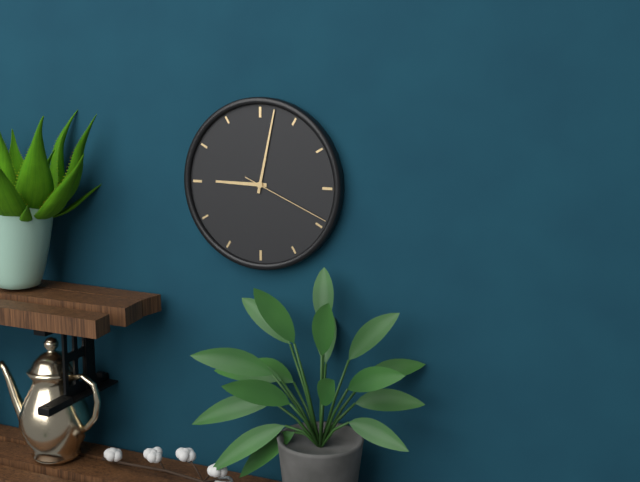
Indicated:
9.02.19
